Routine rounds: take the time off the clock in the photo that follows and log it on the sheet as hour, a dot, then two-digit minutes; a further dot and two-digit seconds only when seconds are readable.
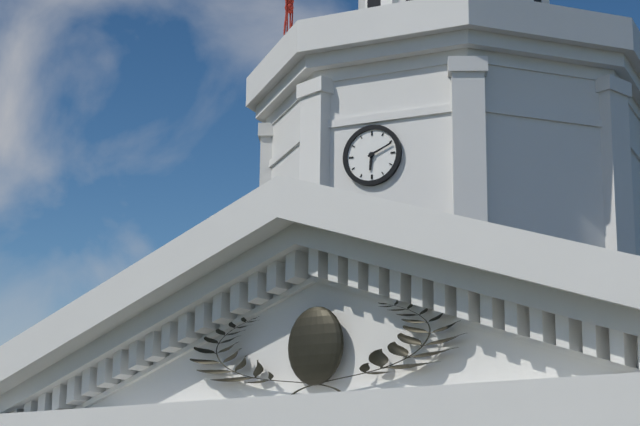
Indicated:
6.11
